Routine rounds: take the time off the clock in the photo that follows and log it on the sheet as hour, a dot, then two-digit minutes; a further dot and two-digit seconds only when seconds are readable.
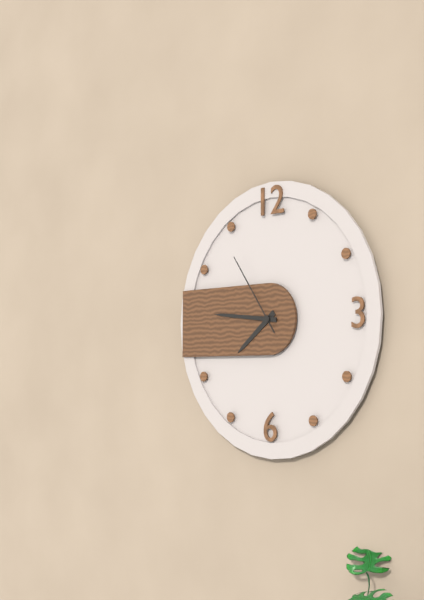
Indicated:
7.46.54
